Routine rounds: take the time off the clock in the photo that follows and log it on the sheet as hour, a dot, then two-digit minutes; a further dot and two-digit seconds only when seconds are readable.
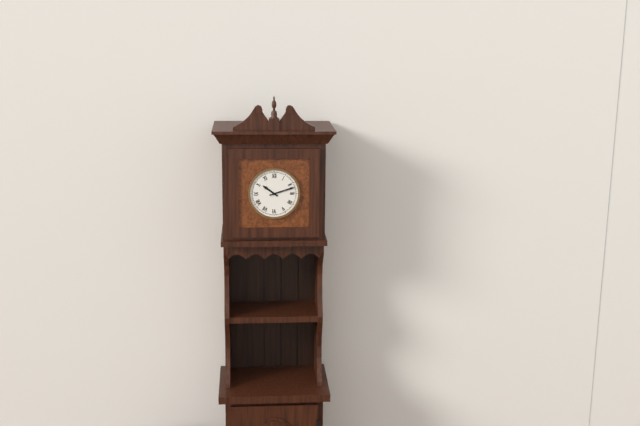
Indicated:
10.12
